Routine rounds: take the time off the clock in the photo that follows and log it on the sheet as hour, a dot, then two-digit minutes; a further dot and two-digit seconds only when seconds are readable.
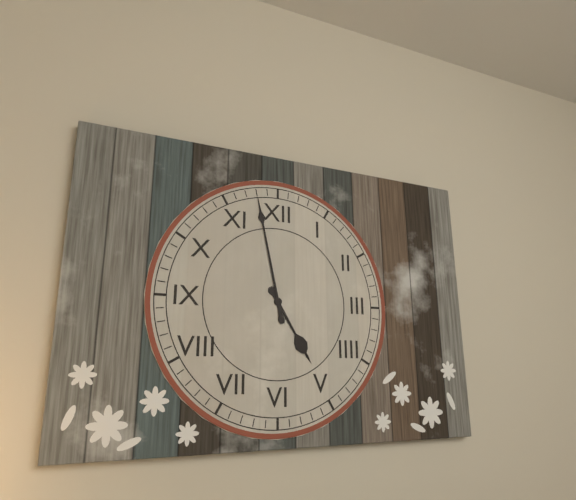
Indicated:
4.58
